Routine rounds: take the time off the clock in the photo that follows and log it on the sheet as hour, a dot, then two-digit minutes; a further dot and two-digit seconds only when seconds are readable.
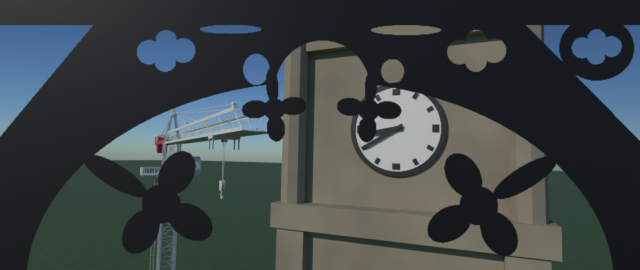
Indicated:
8.40
